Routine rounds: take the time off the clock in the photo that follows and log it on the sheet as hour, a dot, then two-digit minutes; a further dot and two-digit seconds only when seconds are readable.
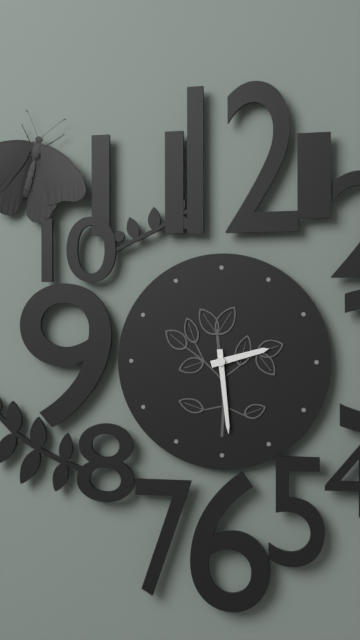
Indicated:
2.29
